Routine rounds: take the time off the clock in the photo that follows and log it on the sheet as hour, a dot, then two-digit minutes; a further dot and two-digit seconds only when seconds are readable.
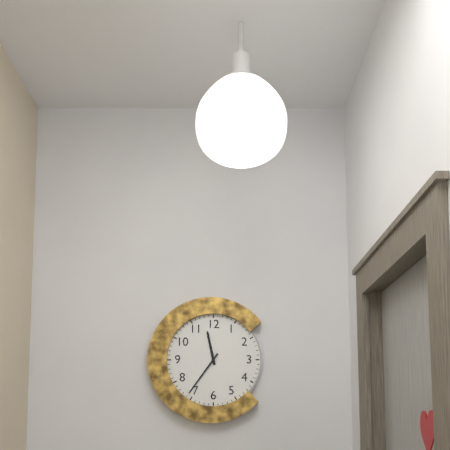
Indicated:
11.36
